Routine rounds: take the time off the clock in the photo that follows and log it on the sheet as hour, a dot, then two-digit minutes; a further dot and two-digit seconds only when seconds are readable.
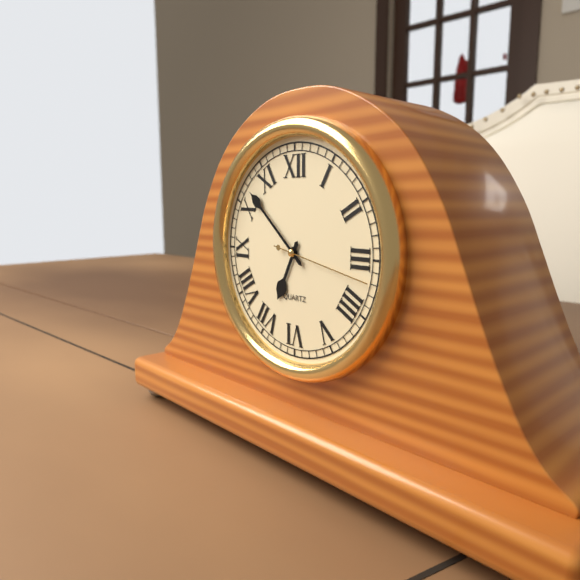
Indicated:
6.52.17
